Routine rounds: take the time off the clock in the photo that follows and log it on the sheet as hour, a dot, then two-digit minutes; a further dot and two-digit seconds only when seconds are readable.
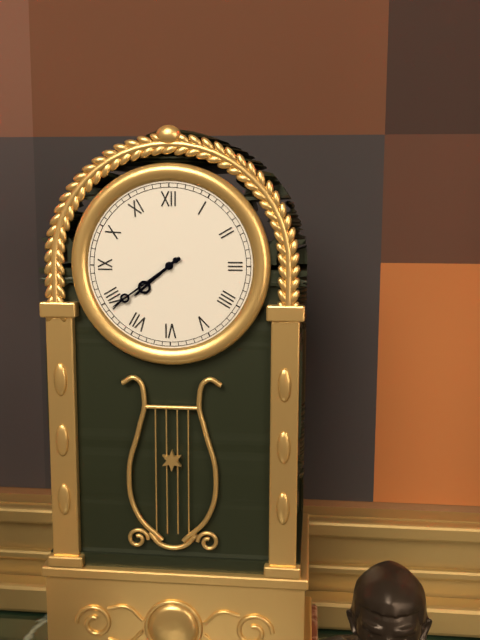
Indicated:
7.39
